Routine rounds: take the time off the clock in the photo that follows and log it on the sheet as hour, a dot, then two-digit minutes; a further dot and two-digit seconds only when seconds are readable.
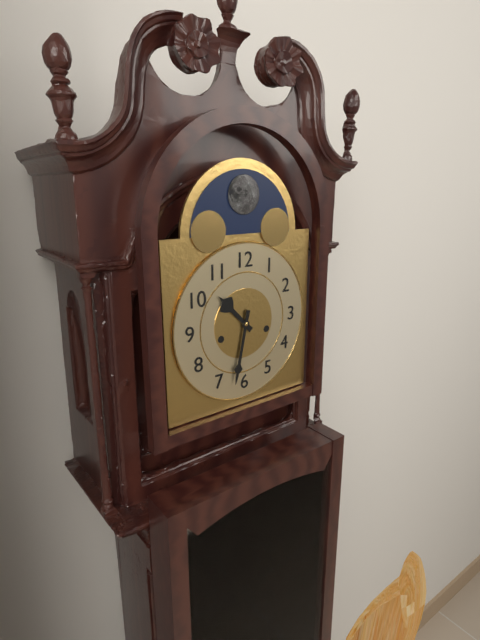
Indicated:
10.32
